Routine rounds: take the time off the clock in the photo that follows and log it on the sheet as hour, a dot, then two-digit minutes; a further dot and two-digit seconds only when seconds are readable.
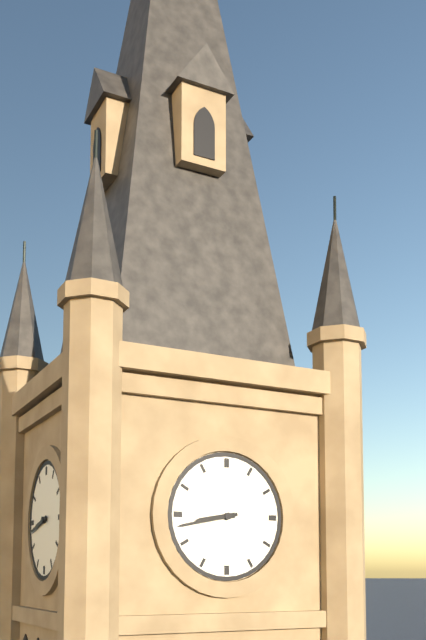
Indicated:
8.43
